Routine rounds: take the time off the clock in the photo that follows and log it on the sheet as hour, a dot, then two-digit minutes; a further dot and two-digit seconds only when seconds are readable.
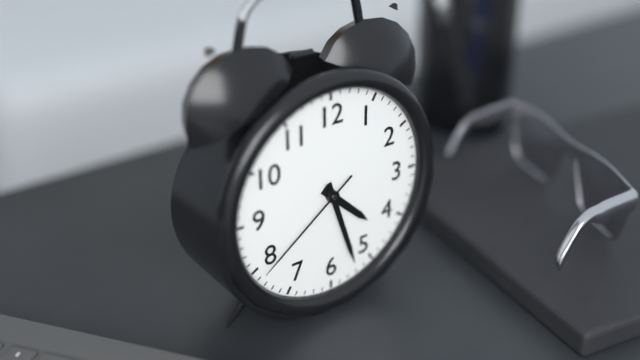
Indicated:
4.27.39
